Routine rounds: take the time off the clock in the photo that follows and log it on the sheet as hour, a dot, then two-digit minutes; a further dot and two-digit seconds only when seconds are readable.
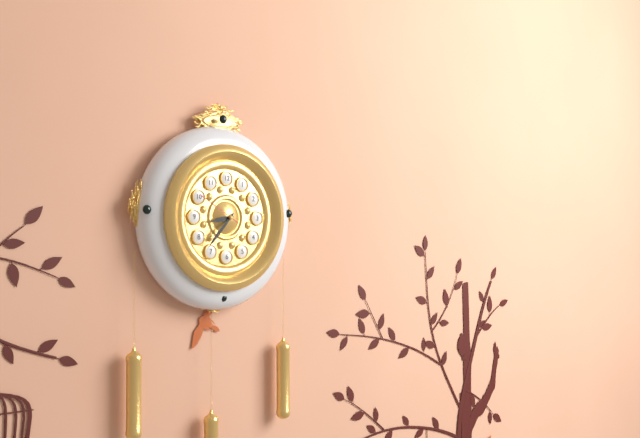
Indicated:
8.37
